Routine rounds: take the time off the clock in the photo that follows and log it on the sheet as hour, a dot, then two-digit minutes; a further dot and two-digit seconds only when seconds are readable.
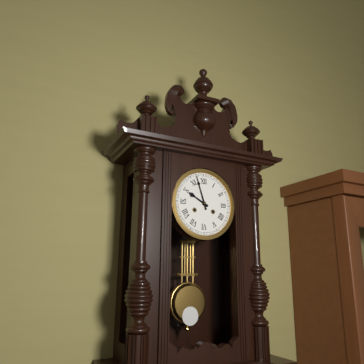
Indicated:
9.57
